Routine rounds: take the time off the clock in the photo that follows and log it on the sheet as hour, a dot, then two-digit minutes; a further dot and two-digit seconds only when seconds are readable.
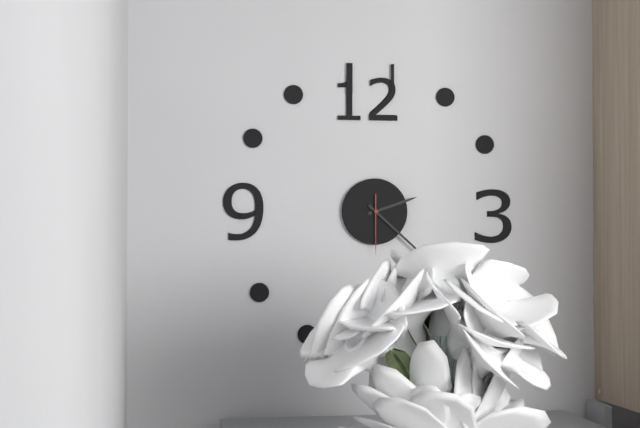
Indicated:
2.22.30
